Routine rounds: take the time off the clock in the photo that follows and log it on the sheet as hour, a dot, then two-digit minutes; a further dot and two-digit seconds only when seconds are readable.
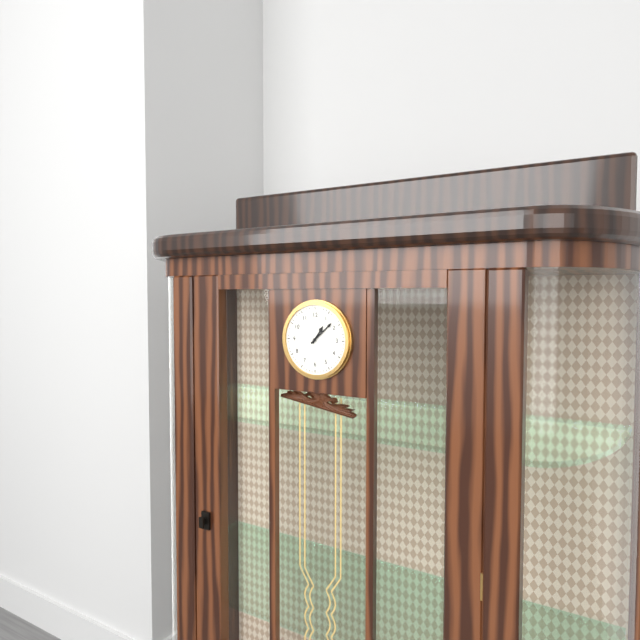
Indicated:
1.08
